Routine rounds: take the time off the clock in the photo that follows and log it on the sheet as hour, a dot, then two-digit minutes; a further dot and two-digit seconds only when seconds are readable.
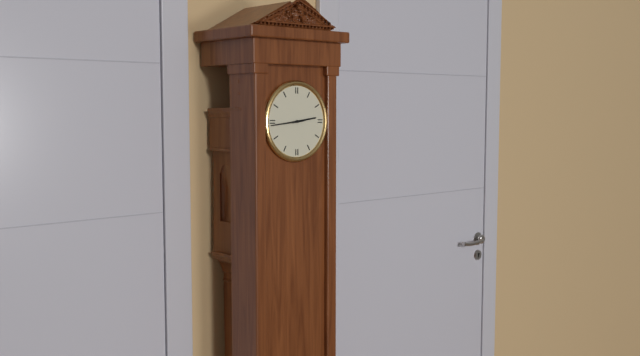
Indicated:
2.44
